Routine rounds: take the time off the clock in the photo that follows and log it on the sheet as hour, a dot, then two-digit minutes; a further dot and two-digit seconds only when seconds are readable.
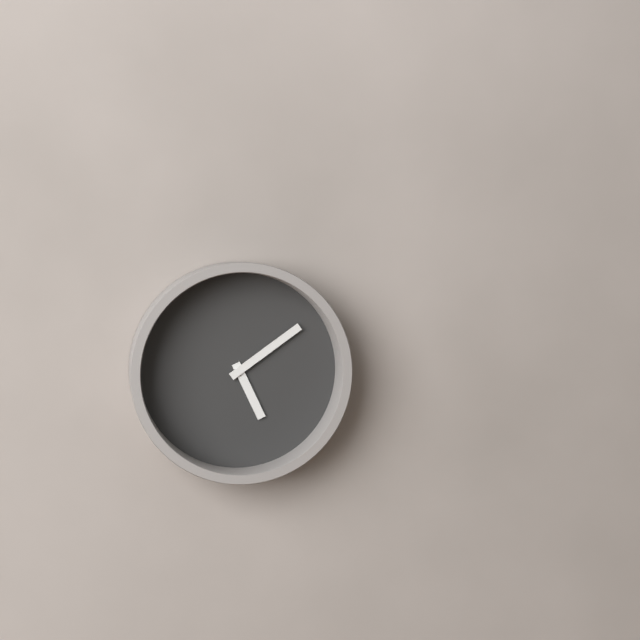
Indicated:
5.09
